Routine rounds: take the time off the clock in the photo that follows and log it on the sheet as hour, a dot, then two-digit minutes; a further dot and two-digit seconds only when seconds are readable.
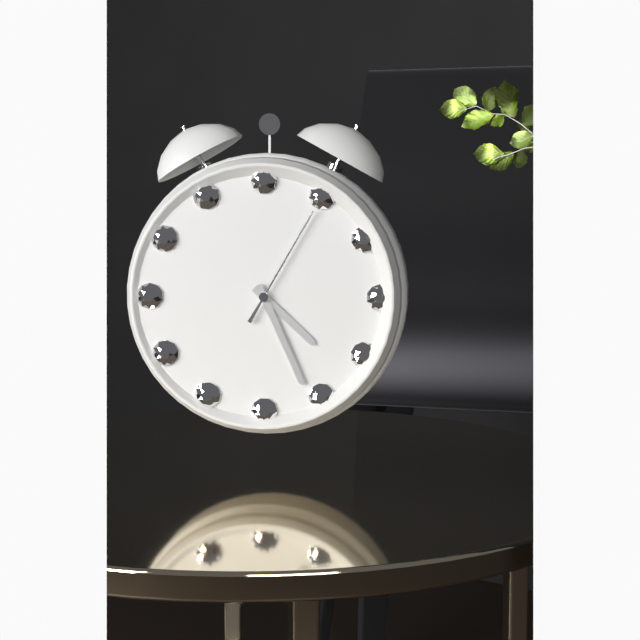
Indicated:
4.26.05
